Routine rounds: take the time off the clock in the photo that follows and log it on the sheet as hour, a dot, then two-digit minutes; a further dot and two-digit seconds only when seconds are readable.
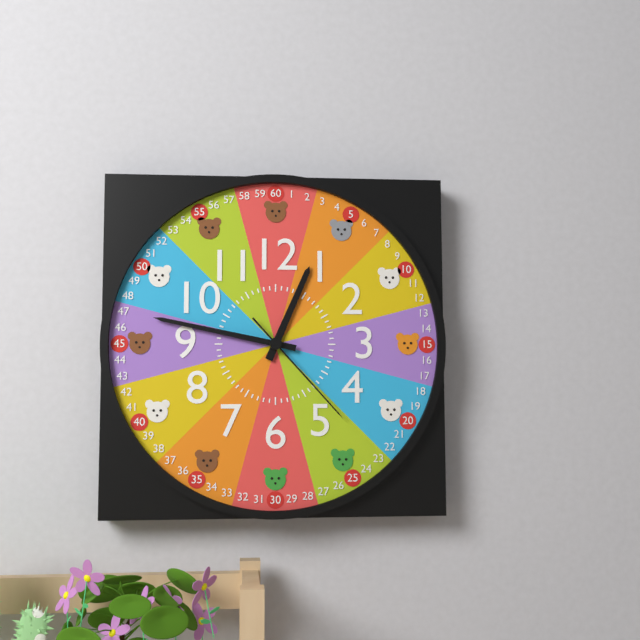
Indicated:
12.47.23
